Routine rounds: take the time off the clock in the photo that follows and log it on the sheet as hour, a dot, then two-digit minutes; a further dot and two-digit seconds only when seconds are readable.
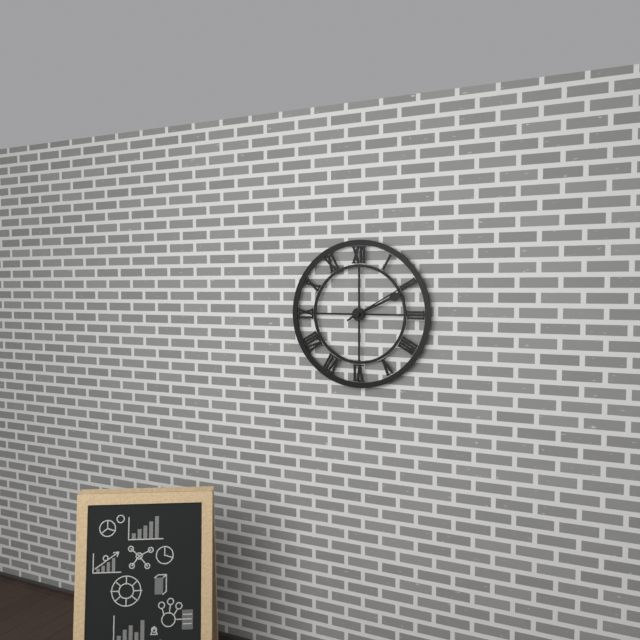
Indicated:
2.10
